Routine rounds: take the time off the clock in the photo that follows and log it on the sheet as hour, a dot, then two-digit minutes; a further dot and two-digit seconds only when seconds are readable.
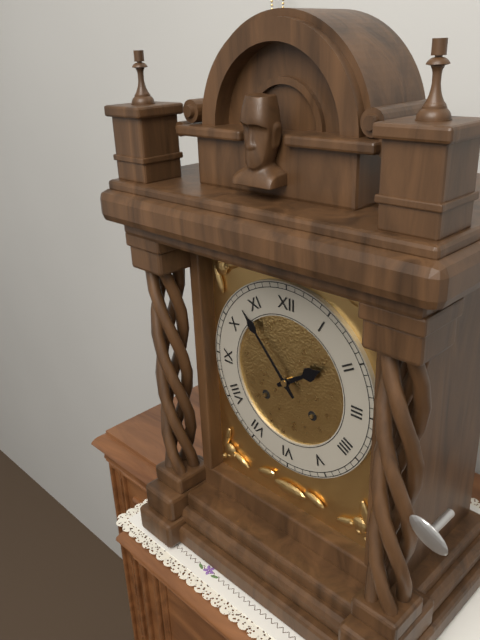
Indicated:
1.53
